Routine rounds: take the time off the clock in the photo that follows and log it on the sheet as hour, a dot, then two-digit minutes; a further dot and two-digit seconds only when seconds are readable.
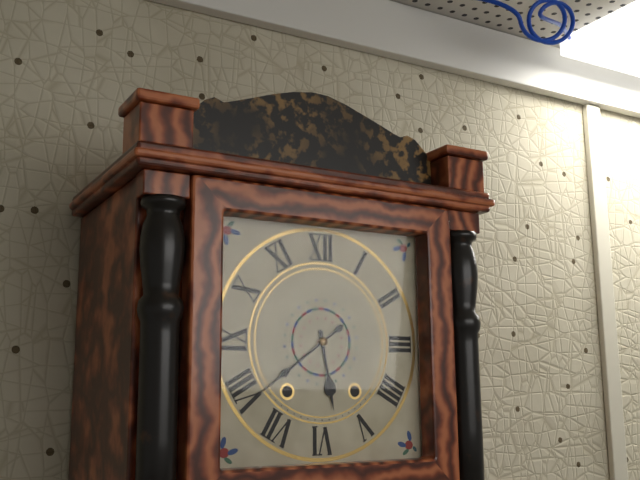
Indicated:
5.39
